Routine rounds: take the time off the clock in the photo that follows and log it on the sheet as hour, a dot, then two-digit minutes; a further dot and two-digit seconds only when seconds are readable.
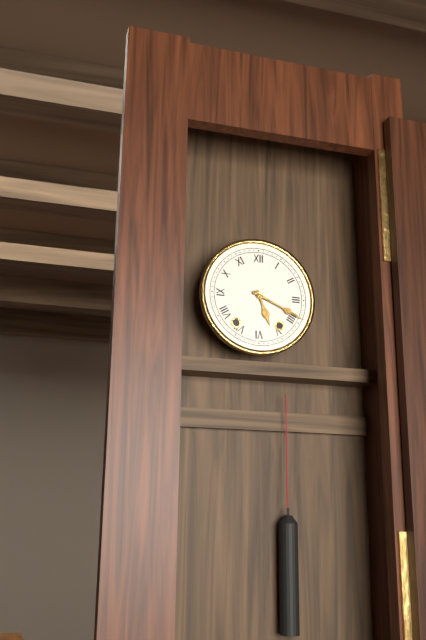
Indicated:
5.19
